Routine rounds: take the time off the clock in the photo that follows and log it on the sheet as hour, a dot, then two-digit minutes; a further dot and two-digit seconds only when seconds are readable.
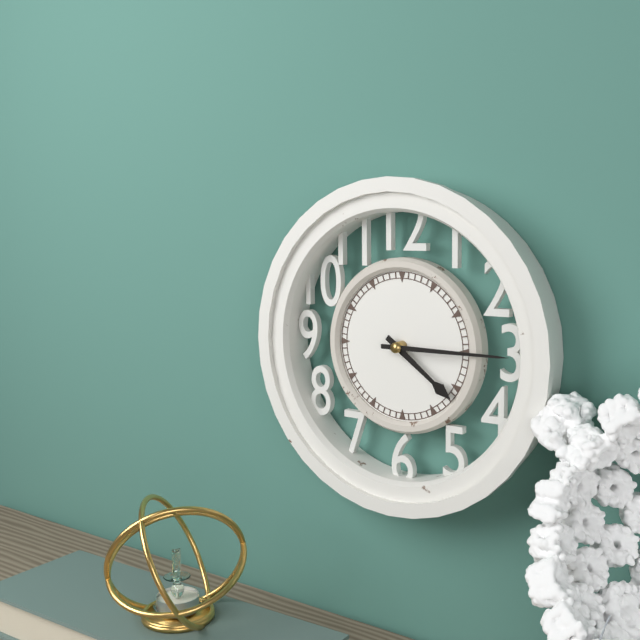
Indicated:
4.15
